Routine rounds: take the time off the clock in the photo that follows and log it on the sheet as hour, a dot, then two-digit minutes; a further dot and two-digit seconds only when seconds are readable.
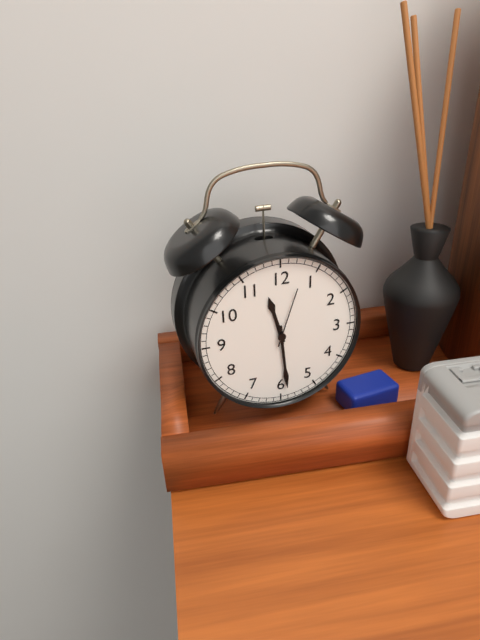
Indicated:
11.29.03
